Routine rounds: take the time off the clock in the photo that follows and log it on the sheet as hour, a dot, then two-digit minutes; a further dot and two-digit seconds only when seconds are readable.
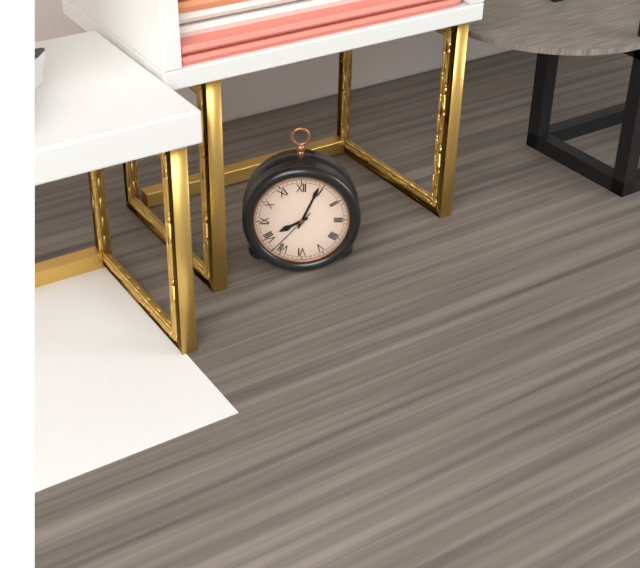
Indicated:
8.04.37
